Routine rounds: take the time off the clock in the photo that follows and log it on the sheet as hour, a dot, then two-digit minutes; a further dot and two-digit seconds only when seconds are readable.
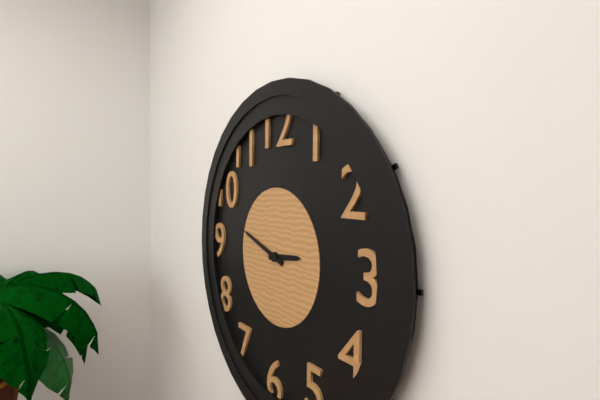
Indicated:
2.48
